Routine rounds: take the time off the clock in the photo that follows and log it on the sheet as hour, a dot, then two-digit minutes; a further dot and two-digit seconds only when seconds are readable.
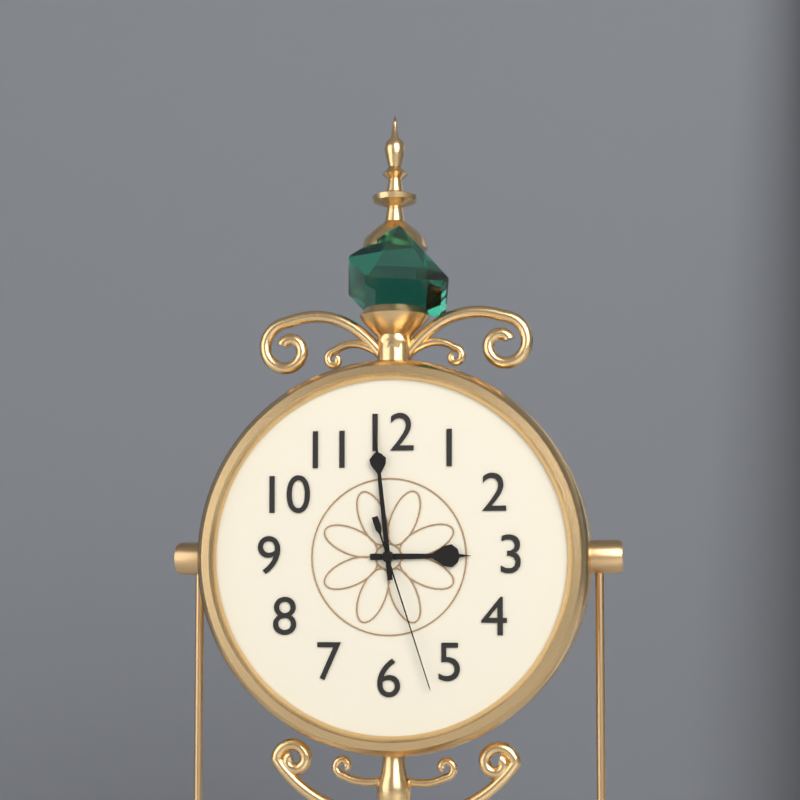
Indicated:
2.59.27
